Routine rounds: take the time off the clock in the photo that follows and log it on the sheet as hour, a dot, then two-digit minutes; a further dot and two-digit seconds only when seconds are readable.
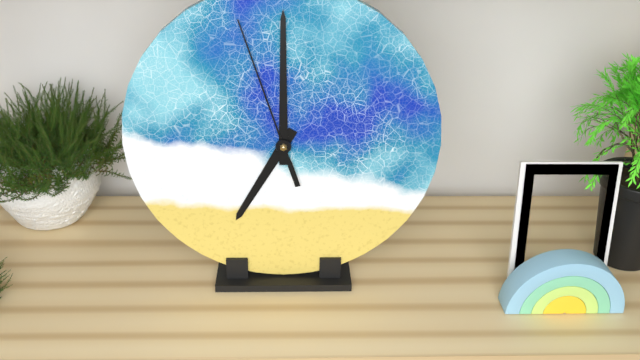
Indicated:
7.00.57
